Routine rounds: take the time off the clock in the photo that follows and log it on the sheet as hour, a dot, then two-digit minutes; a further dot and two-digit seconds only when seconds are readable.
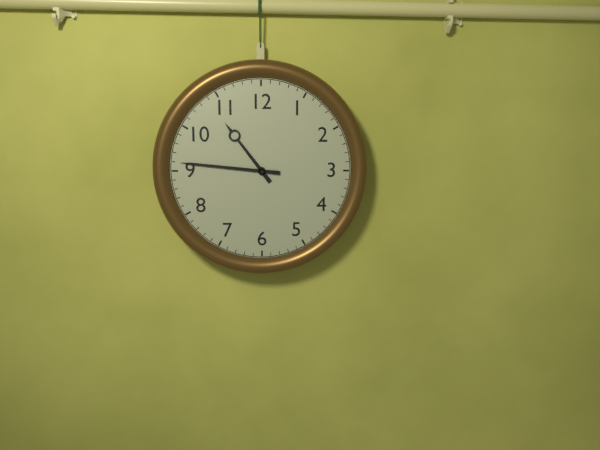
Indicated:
10.46
